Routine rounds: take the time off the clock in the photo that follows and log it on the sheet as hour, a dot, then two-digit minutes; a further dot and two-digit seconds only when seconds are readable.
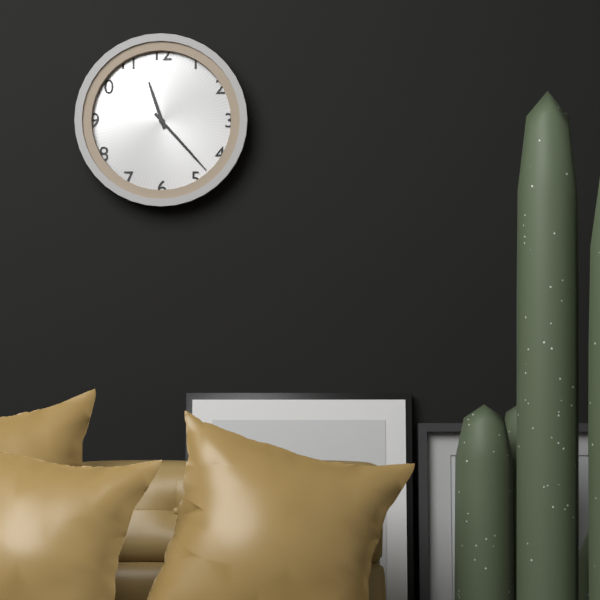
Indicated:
11.23
